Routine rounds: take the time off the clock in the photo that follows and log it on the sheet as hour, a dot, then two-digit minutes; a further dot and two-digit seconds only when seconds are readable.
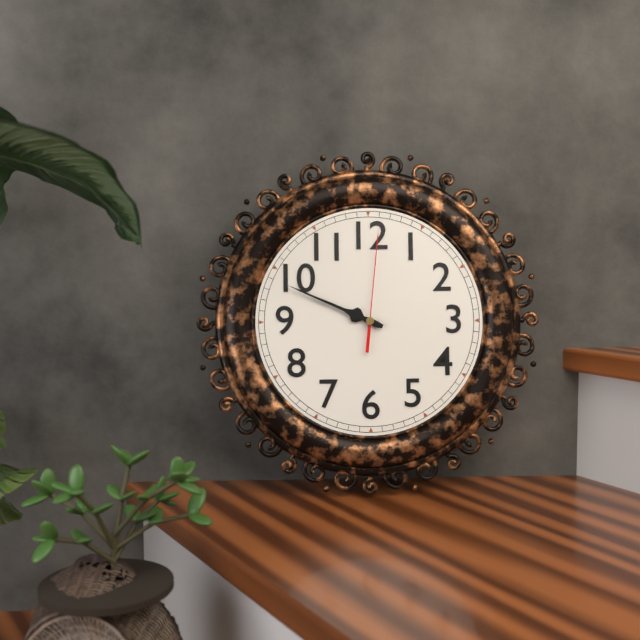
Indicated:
9.49.01
